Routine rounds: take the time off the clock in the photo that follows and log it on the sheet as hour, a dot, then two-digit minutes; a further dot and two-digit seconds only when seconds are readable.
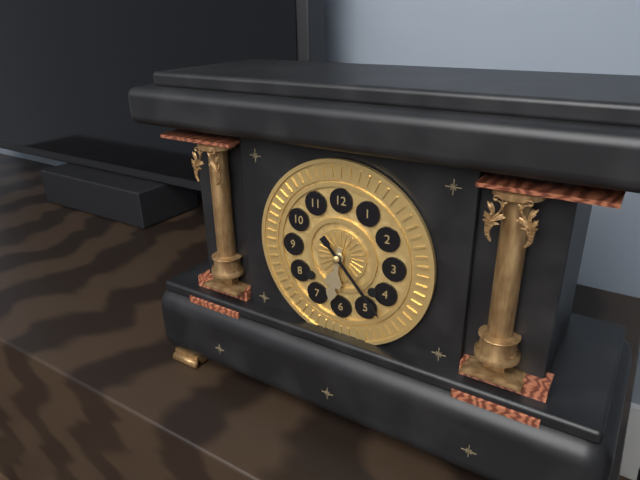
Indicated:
6.23
